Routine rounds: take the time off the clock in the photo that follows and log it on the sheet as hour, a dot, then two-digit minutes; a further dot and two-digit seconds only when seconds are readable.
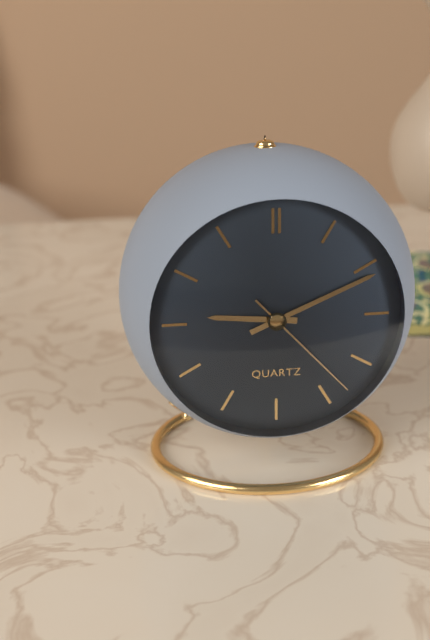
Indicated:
9.11.23
